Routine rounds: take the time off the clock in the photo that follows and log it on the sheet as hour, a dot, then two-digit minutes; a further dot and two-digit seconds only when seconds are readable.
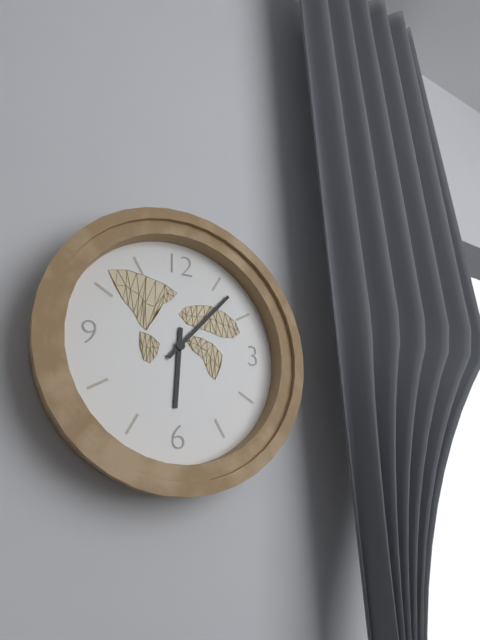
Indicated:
6.07
